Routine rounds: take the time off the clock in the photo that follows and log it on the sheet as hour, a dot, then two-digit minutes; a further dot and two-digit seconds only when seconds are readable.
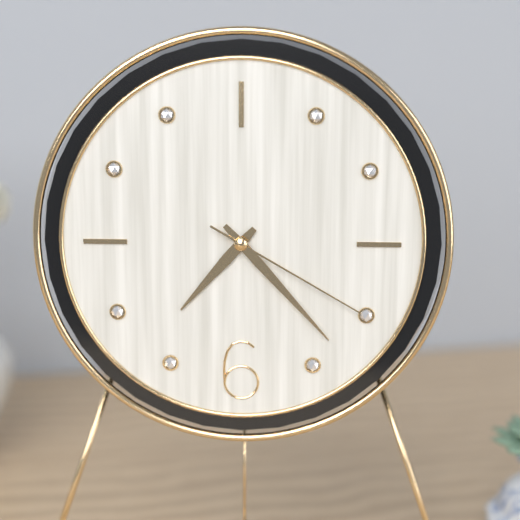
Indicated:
7.23.20
